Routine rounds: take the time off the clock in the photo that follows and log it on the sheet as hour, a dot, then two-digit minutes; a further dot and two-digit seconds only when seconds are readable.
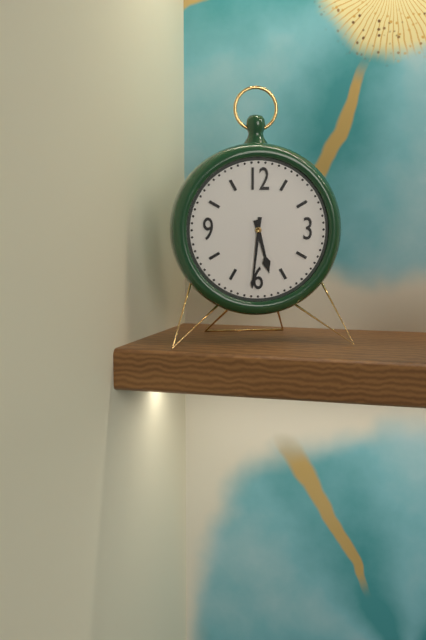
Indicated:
5.31
